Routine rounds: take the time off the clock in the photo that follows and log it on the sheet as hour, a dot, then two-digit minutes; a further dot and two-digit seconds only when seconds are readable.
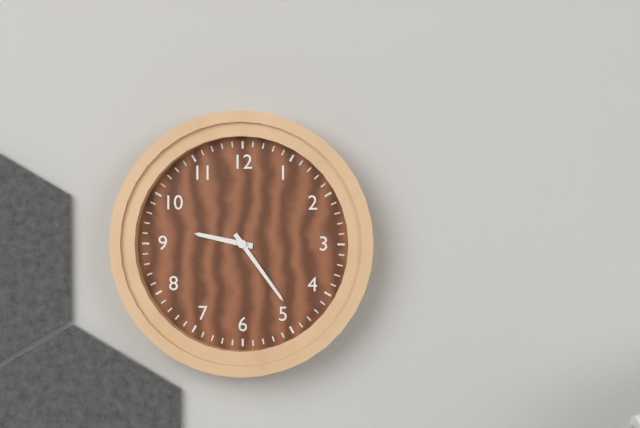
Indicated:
9.24
